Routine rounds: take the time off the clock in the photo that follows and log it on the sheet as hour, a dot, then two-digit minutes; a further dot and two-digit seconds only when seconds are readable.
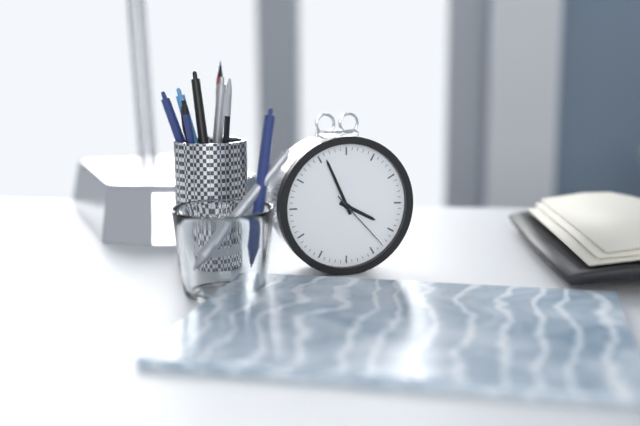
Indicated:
3.56.23
